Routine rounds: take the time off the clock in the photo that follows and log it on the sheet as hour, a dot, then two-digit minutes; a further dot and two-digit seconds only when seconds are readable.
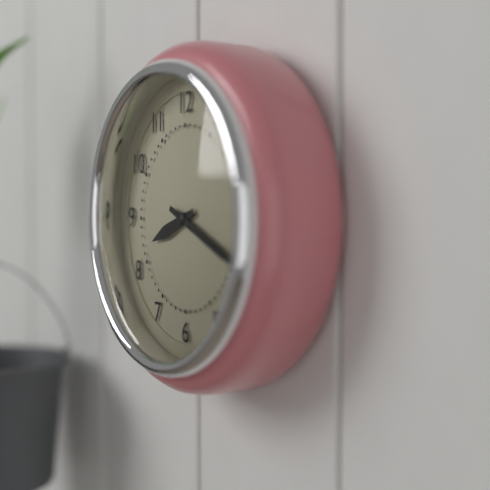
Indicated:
8.19
